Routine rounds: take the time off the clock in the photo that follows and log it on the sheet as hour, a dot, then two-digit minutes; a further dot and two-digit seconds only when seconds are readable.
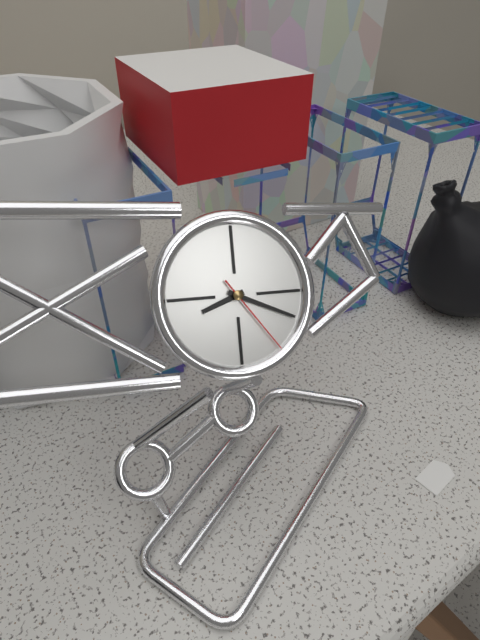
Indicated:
8.19.24
